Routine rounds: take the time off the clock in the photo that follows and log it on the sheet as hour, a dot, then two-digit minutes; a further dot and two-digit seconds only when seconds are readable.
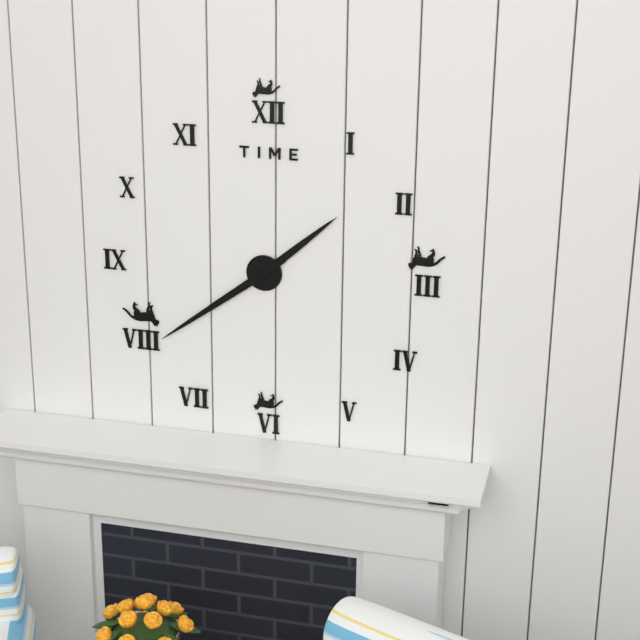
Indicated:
1.39
